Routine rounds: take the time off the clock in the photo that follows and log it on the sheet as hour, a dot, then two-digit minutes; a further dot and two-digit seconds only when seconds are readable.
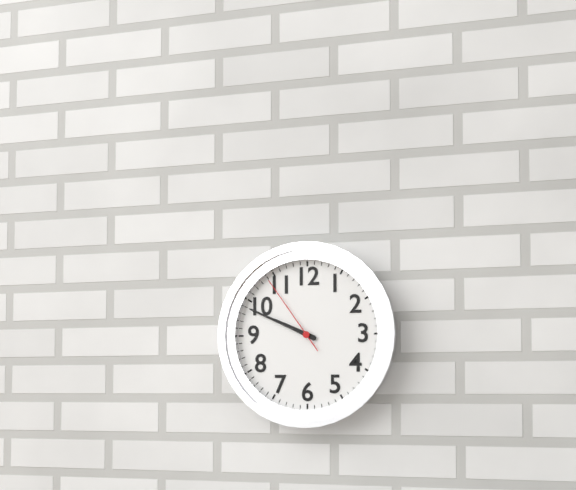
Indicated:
9.49.54
